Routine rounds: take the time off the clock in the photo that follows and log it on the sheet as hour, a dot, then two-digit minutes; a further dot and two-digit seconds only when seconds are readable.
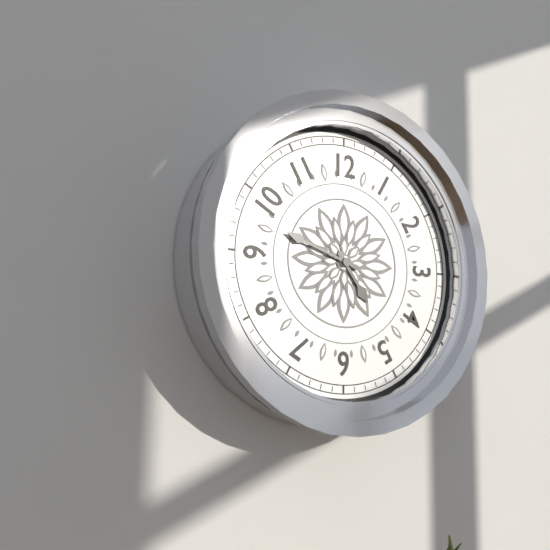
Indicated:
4.48
